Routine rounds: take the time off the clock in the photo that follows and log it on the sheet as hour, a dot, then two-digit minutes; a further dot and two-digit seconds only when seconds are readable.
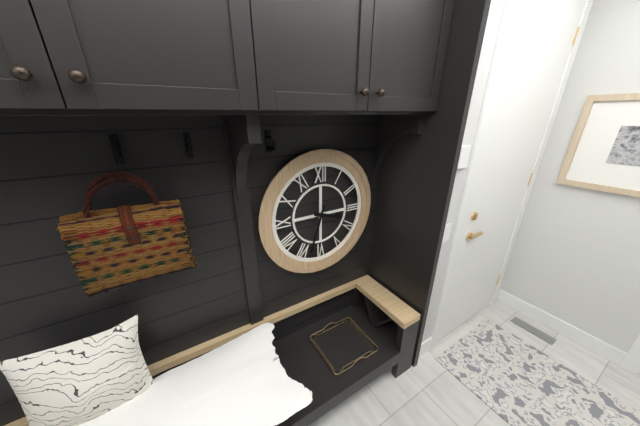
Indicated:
3.33
